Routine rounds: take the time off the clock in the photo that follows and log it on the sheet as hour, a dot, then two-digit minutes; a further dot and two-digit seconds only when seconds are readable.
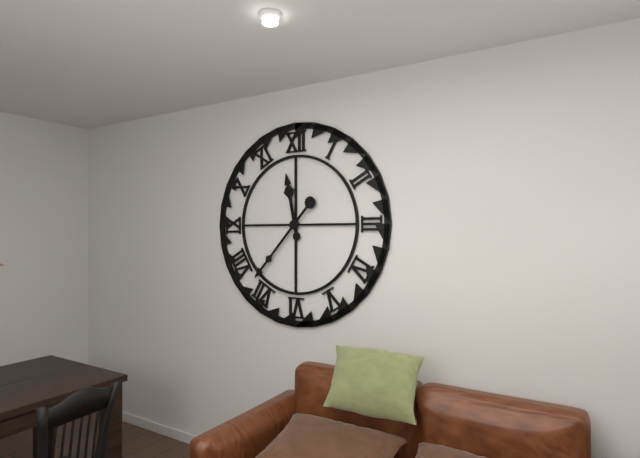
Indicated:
11.37
